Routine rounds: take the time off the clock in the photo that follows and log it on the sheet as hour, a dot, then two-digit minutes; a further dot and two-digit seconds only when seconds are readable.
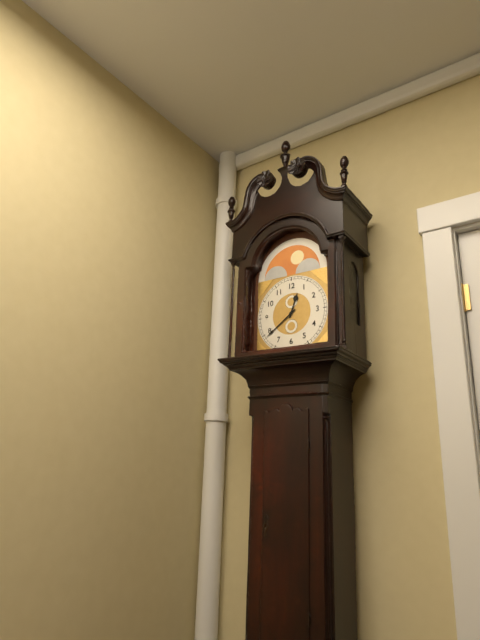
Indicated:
12.39
